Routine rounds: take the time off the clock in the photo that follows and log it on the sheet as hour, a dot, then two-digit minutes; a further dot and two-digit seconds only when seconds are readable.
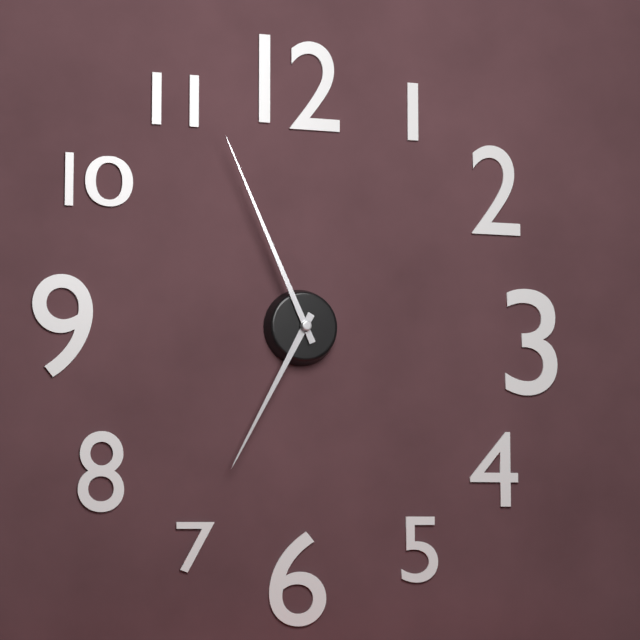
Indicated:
6.56
